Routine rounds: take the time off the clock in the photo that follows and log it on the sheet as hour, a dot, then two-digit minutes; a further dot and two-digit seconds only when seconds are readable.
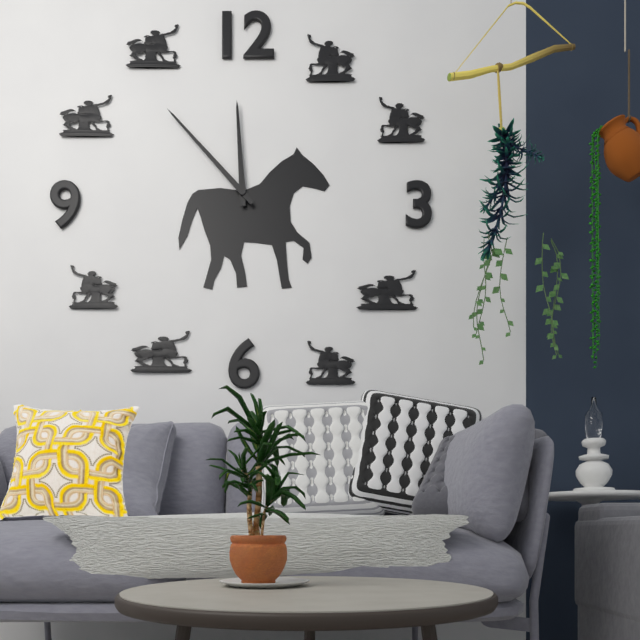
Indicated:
11.53
